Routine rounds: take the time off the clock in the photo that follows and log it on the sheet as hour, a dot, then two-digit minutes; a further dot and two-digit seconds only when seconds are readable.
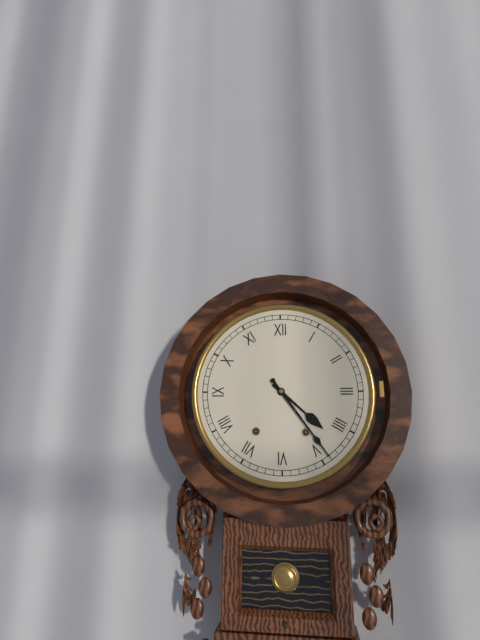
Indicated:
4.24
